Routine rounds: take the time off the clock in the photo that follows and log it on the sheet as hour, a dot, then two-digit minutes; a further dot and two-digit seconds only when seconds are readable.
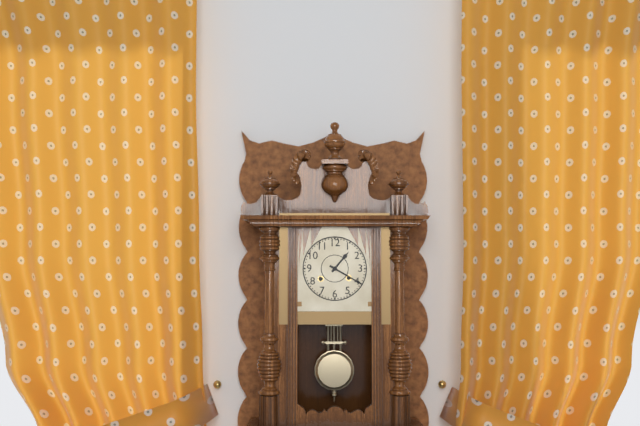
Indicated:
1.20
